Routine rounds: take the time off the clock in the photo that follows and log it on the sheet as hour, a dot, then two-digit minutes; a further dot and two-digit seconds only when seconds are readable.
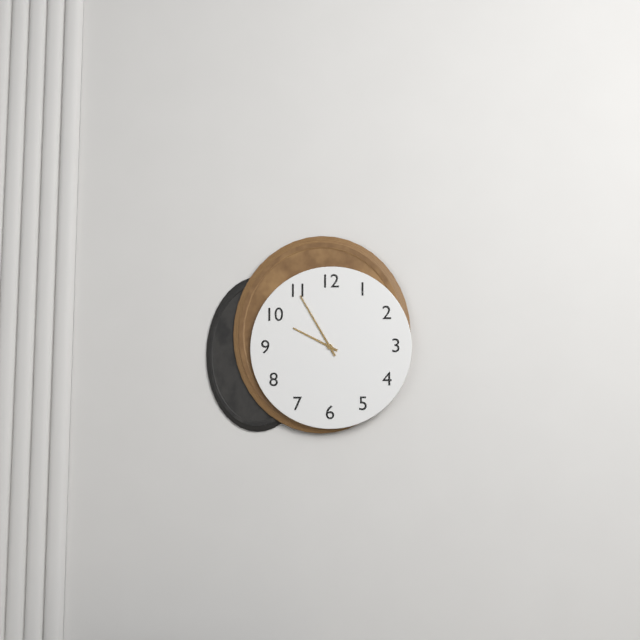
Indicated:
9.55
